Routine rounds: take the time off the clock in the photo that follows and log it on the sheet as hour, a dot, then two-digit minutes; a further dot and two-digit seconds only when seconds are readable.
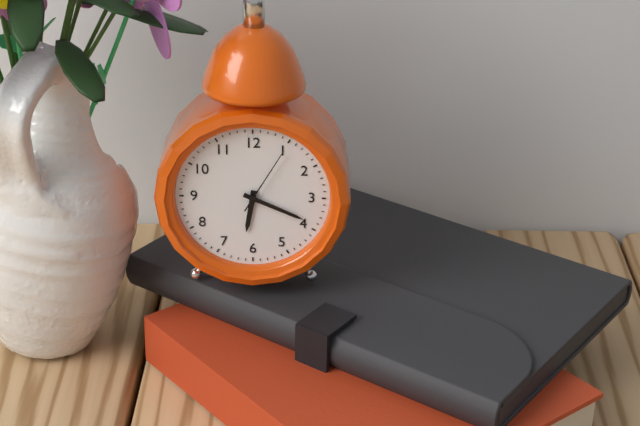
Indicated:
6.19.05
